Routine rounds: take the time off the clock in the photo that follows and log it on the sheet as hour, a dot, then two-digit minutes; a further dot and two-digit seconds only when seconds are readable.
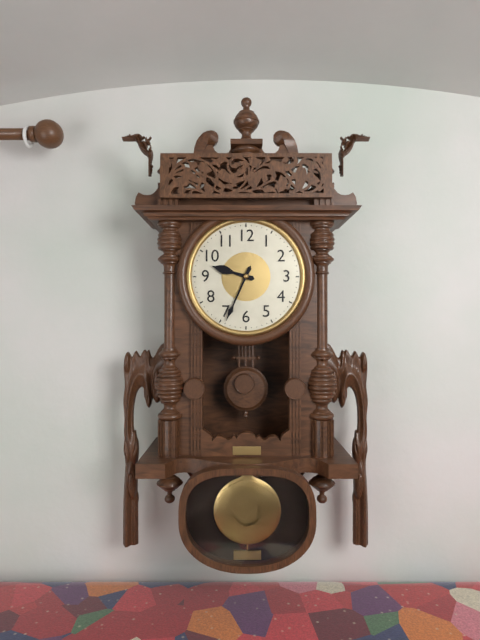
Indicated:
9.34
